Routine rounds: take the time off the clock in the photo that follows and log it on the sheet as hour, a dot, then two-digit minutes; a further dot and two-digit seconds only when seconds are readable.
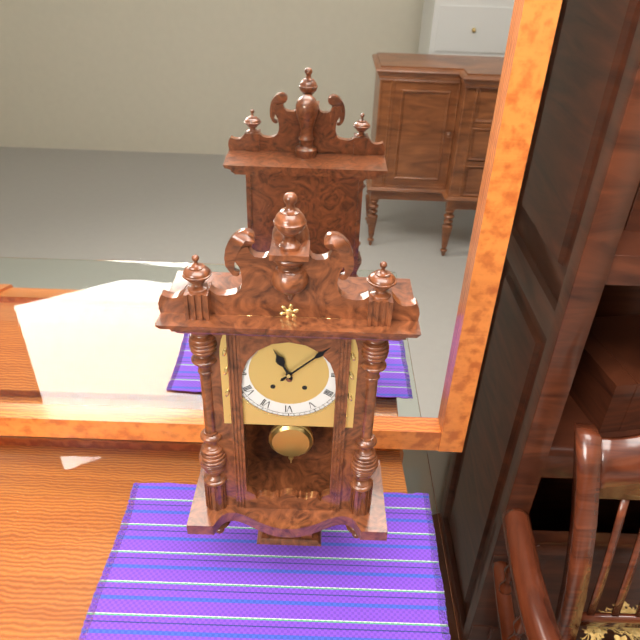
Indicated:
11.08
